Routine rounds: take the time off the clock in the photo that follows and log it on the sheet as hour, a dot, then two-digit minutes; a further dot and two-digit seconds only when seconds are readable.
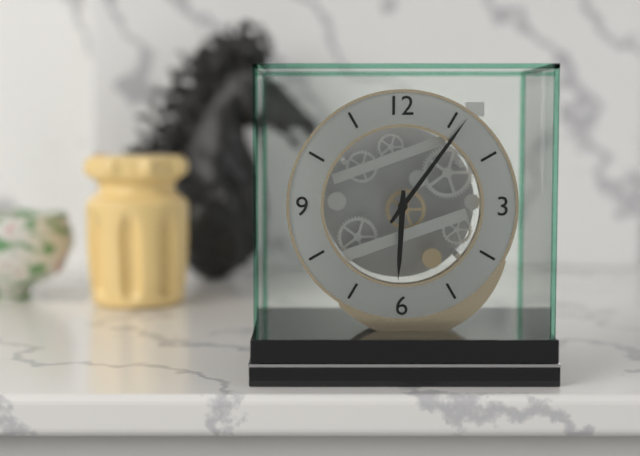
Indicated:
6.06
